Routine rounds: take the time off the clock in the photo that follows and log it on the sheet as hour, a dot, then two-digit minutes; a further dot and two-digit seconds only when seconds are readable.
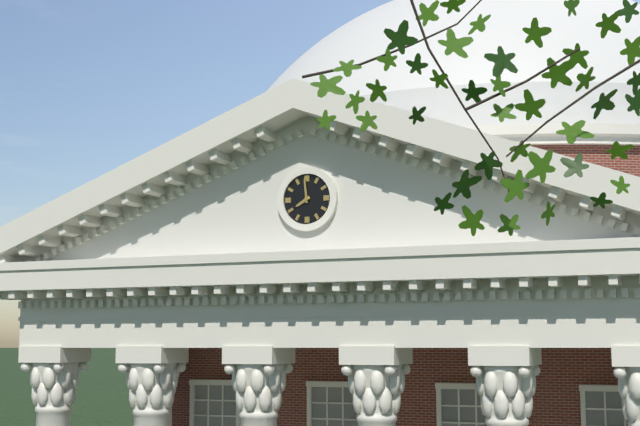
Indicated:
7.59
